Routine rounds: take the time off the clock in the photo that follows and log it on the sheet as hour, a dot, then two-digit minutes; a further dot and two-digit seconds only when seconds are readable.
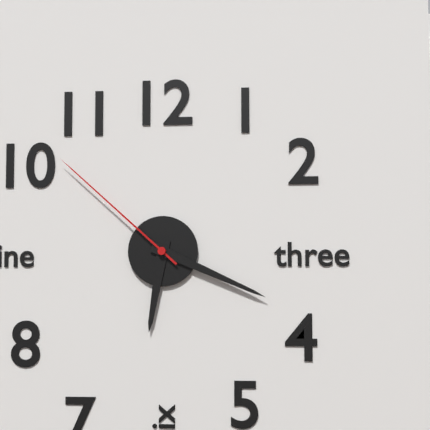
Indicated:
6.19.52
